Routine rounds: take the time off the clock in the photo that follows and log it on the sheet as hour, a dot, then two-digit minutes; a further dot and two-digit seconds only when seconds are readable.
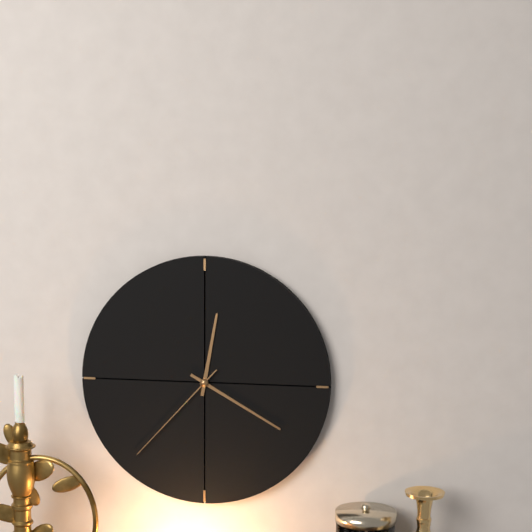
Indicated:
12.20.37
